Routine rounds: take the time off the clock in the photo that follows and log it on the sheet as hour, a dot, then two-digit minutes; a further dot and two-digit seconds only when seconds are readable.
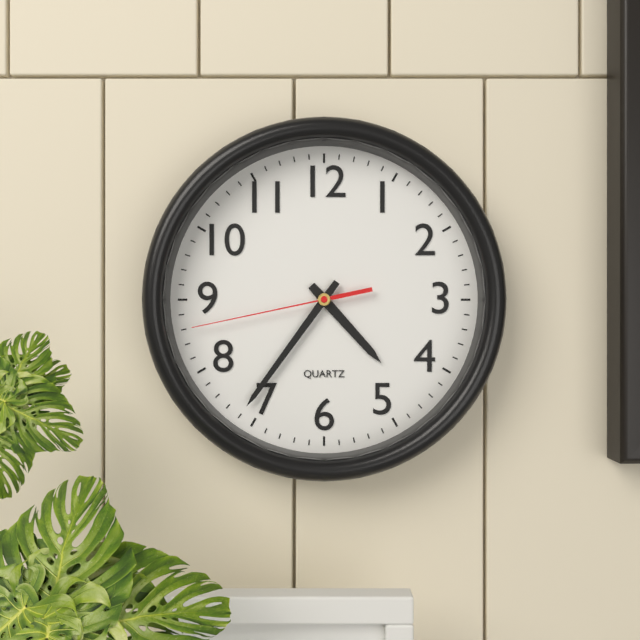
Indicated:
4.36.43
